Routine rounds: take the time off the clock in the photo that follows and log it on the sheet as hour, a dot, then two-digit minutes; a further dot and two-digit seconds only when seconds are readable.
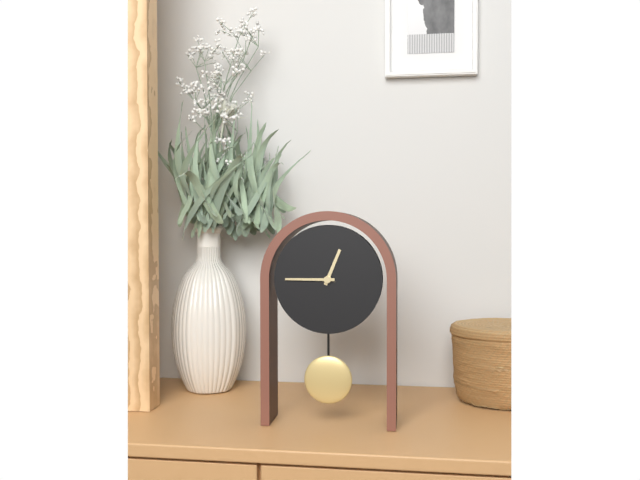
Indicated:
12.45
